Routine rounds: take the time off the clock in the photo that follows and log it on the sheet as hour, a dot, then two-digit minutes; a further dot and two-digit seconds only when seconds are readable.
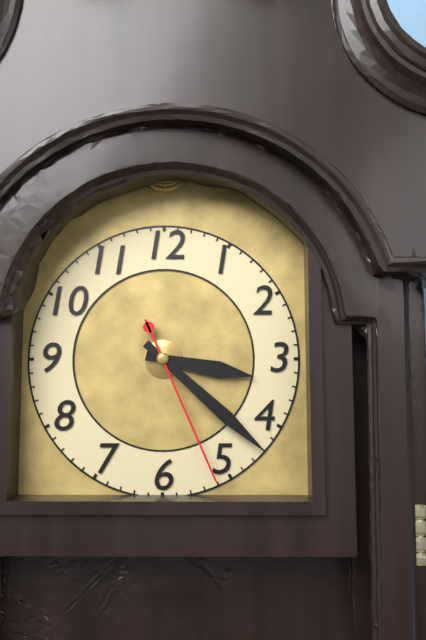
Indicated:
3.22.26
